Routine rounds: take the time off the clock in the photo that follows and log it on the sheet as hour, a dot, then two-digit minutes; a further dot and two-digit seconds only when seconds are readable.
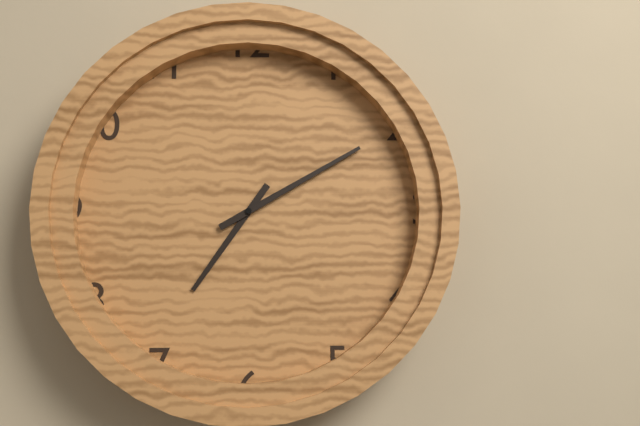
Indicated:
7.10
